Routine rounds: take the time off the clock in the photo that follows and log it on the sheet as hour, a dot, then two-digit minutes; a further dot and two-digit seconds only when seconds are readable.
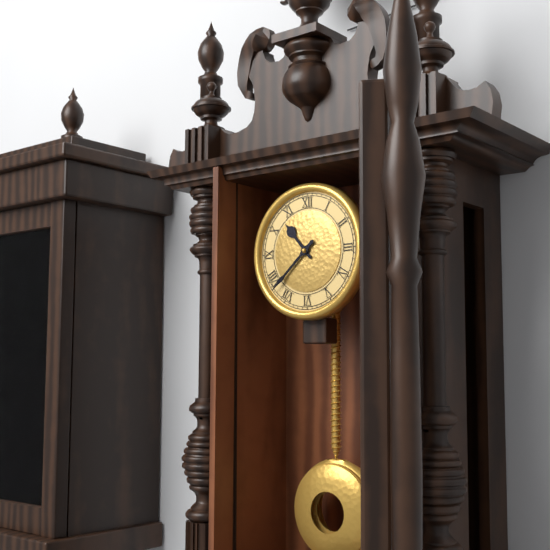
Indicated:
10.38
